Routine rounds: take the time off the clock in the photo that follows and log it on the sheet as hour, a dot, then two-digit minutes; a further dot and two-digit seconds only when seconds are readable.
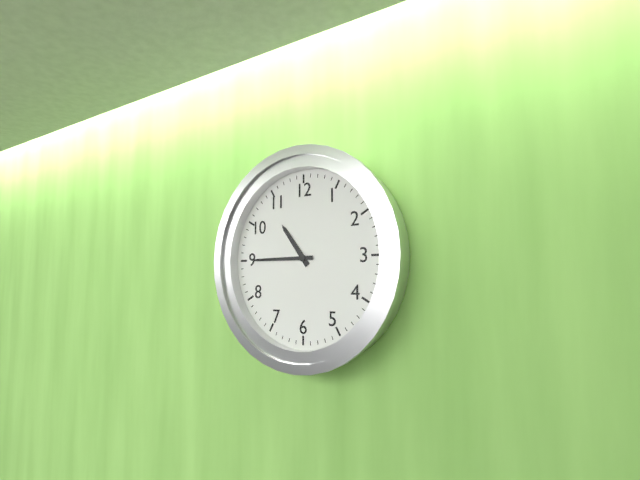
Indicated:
10.45
